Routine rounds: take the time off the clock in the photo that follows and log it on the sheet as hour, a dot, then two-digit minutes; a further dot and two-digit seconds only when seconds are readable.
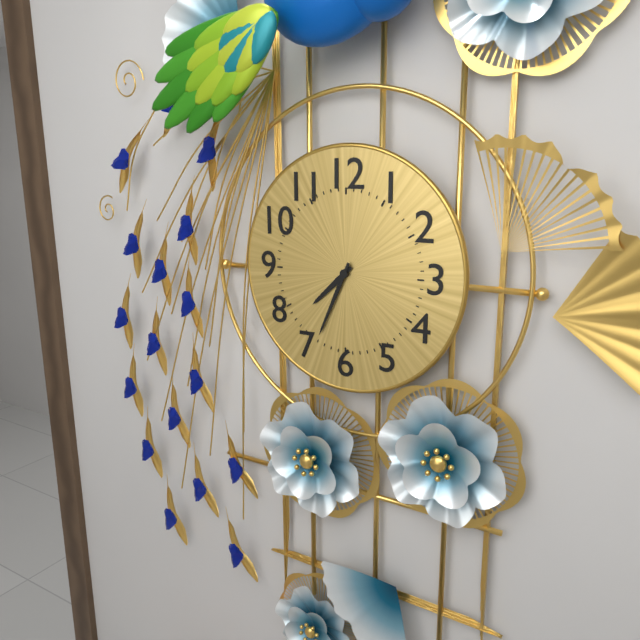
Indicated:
7.34
